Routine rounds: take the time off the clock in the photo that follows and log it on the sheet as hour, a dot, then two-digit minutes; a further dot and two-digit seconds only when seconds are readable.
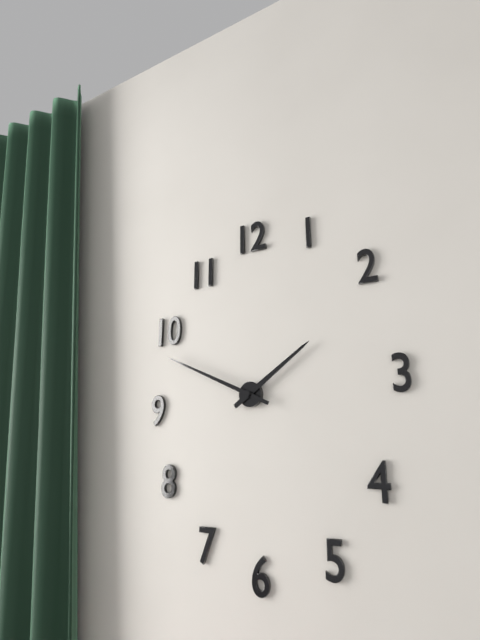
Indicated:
1.49
